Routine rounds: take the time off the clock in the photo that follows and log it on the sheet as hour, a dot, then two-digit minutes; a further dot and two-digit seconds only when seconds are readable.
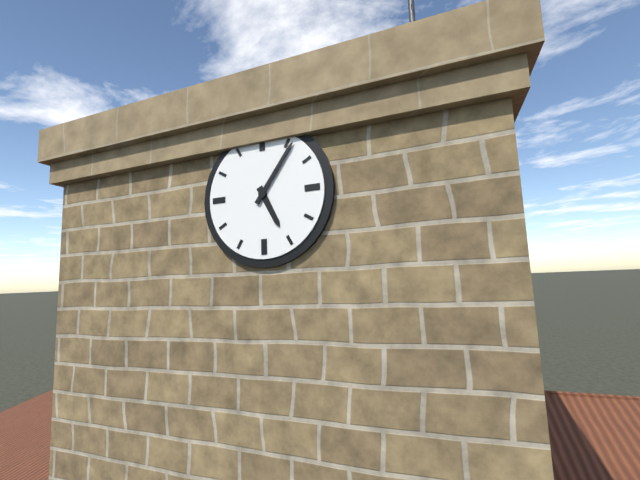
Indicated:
5.06
